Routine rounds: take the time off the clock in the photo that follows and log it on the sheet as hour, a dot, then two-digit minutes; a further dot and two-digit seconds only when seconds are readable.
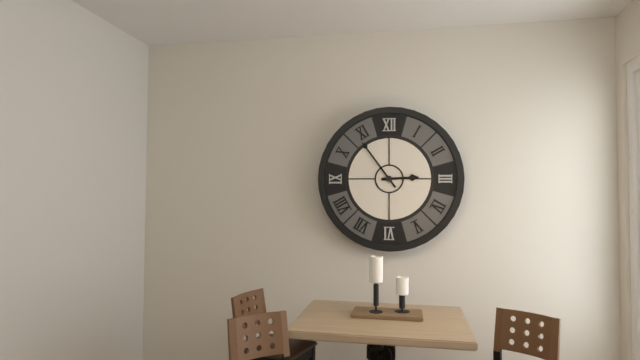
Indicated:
2.54
